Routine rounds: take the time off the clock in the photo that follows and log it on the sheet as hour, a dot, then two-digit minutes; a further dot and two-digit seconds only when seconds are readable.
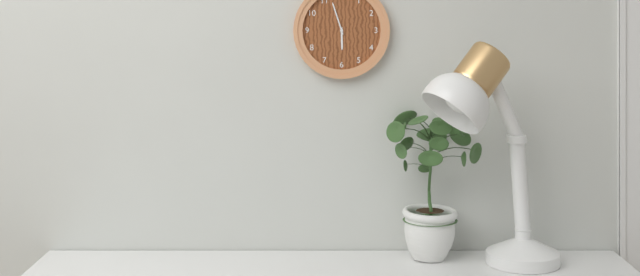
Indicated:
5.57
